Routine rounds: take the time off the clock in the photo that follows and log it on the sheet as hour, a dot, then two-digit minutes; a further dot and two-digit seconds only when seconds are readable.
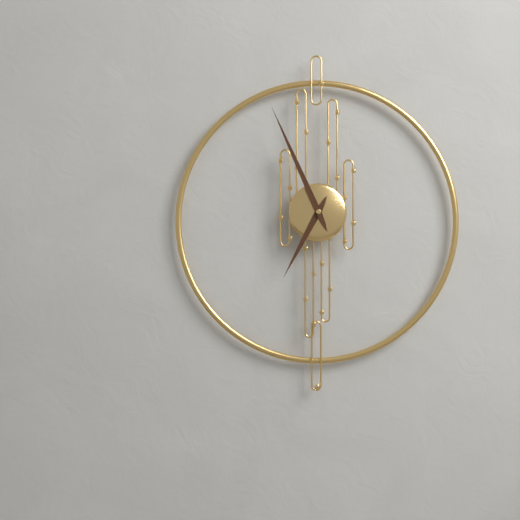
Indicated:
6.56
